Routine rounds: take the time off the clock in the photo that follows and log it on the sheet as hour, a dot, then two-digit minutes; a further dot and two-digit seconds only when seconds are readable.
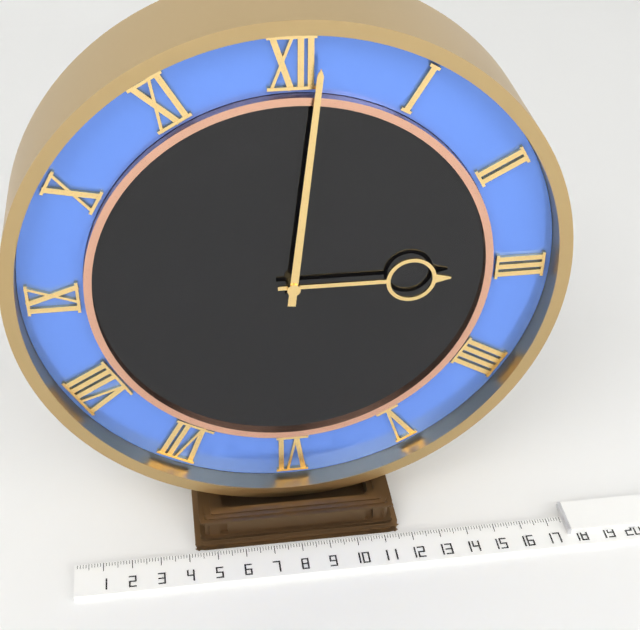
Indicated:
3.01
